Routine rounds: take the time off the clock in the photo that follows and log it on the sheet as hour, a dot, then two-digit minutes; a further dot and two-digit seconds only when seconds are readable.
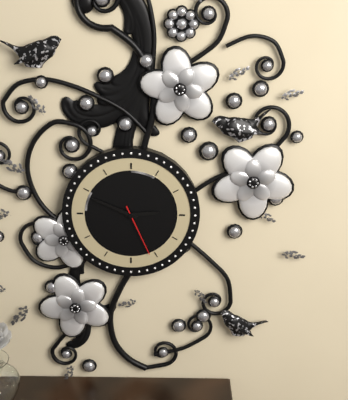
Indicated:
2.49.26
